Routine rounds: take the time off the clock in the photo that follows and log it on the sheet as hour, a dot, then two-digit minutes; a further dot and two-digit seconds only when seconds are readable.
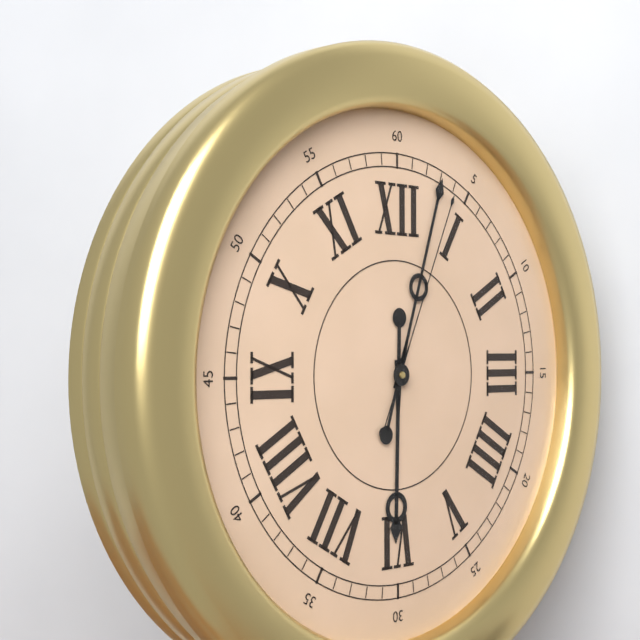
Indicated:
6.03.04
